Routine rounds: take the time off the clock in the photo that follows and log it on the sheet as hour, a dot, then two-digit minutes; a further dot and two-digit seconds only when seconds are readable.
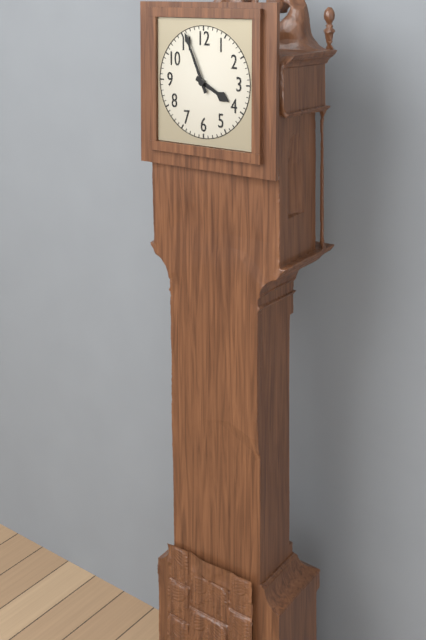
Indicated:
3.56
